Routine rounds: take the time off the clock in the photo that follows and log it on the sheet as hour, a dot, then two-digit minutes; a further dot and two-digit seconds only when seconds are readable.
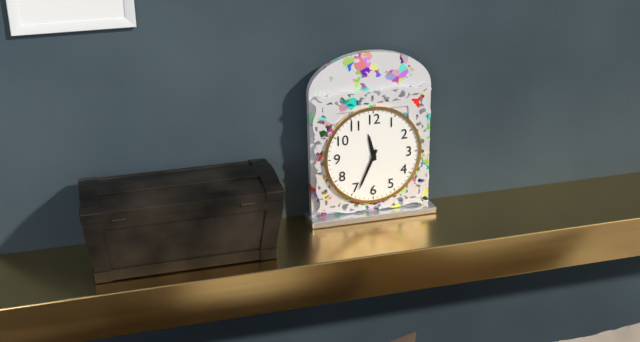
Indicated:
11.34
